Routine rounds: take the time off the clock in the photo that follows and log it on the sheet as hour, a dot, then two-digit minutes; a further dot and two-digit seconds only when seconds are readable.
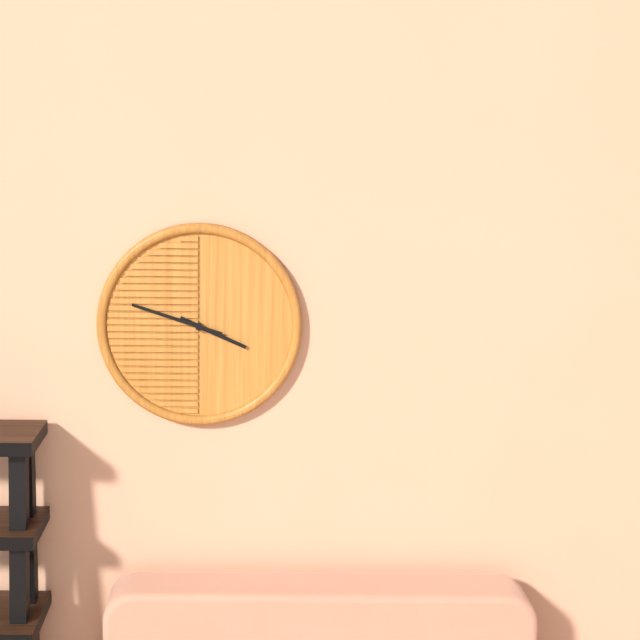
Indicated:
3.48
